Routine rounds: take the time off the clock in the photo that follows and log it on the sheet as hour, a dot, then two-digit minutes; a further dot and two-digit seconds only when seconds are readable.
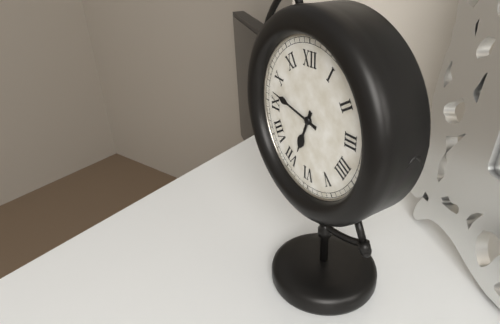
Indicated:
6.47
